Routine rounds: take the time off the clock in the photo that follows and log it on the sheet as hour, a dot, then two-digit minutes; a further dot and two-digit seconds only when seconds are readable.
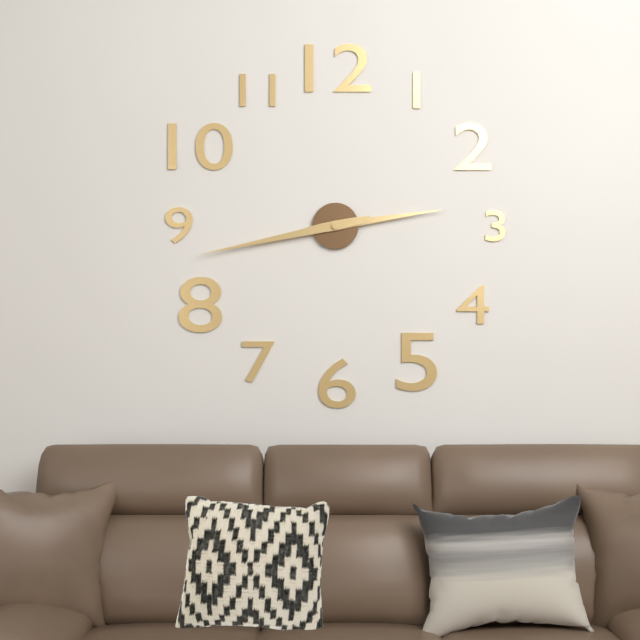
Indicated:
2.43
